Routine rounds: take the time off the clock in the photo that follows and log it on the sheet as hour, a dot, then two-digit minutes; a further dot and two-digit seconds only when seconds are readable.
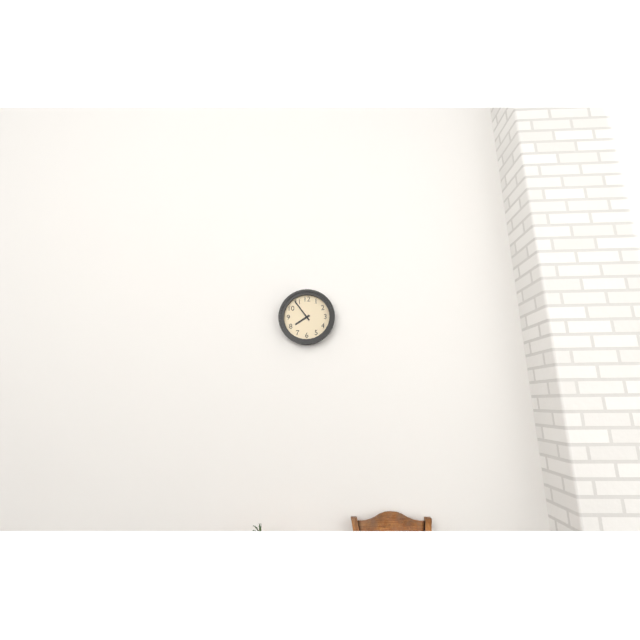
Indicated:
7.54
